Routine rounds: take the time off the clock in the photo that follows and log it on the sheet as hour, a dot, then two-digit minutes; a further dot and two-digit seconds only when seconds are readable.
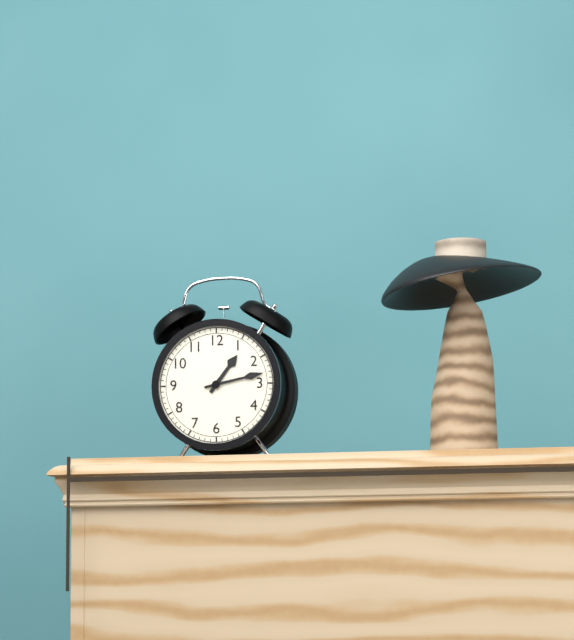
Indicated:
1.13
